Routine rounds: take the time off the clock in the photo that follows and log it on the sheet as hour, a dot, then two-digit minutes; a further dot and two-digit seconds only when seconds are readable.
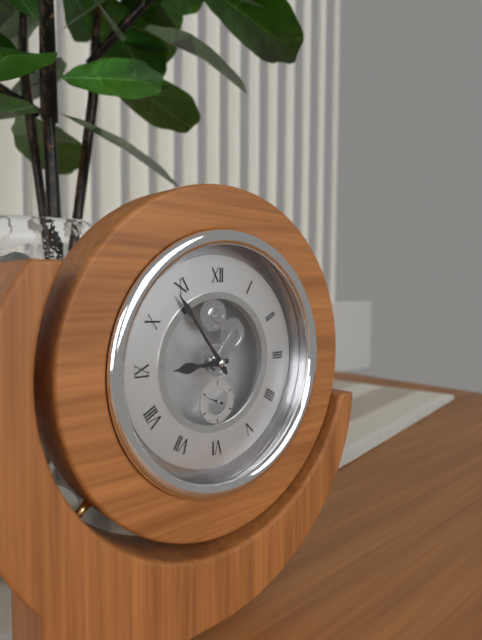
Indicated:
8.54
